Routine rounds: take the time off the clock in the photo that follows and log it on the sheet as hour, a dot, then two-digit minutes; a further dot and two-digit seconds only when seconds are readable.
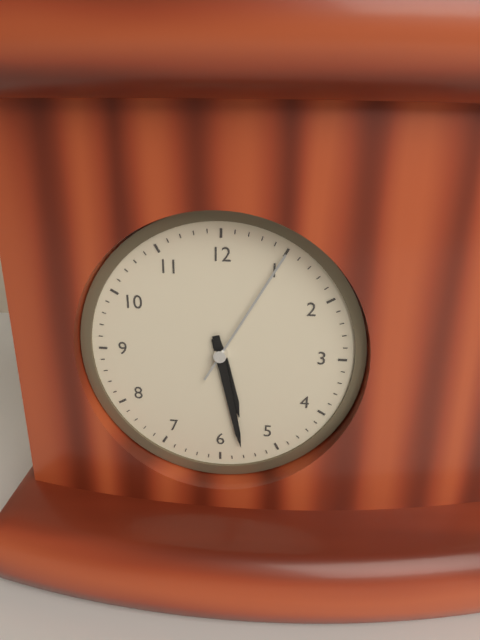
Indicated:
5.28.05
